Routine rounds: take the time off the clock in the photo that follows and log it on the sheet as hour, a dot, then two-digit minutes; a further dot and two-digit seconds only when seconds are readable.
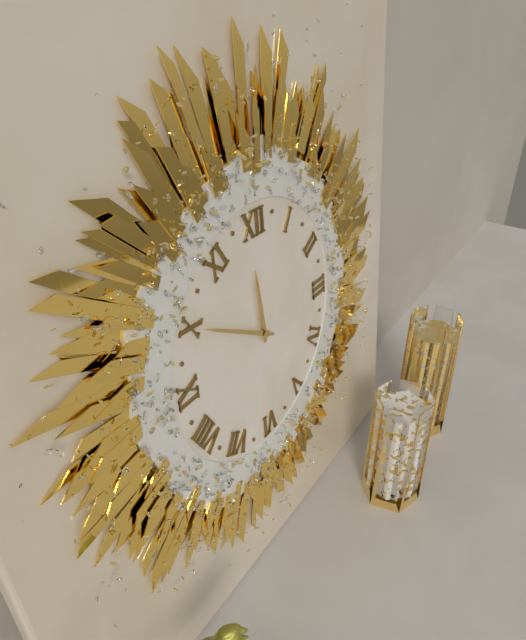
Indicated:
11.50
